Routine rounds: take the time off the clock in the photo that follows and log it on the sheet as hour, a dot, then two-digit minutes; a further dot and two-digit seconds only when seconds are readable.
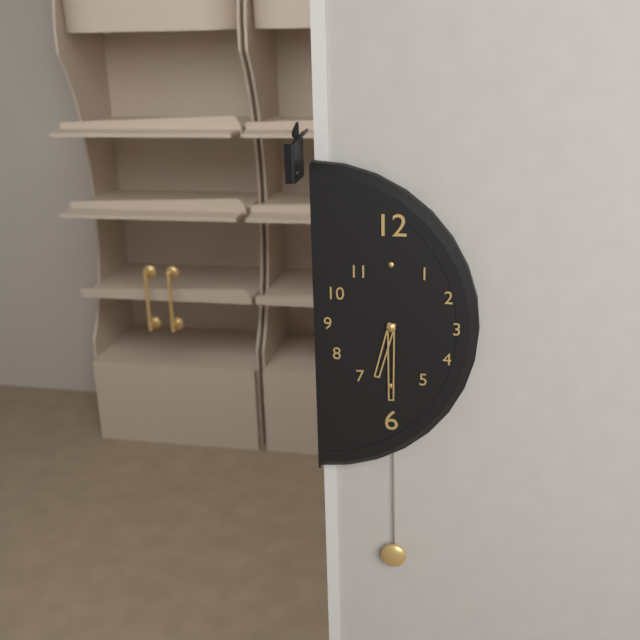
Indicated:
6.30
